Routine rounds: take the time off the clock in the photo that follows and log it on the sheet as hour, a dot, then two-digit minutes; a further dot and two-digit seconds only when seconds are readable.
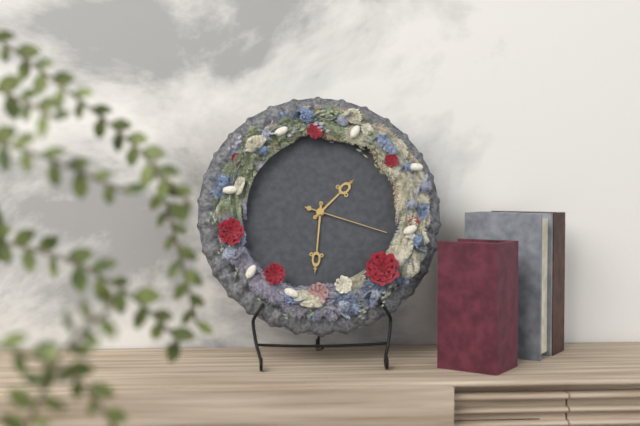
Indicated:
1.31.18
